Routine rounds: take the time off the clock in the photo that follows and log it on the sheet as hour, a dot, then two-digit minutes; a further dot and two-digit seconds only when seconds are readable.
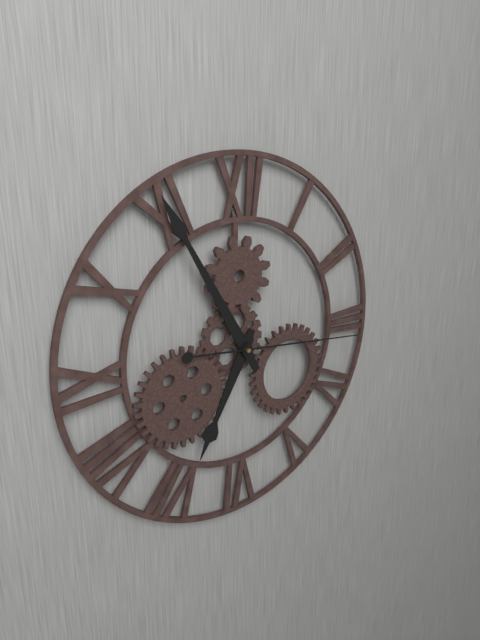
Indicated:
6.55.16
